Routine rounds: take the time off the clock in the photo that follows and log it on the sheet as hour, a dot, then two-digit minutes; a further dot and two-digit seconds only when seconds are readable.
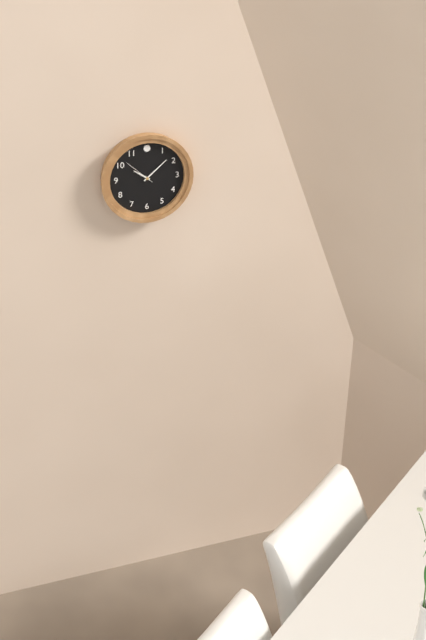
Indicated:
10.08
